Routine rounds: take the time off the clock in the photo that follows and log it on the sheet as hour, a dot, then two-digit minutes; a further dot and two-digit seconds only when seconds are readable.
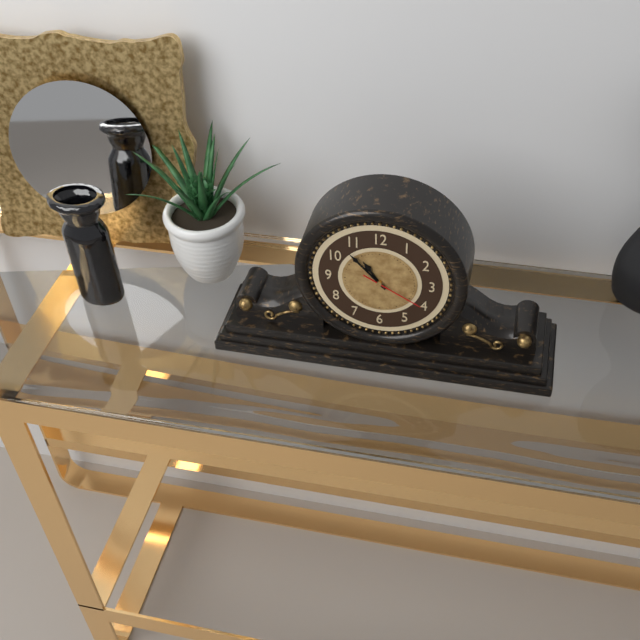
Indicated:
10.53.20
